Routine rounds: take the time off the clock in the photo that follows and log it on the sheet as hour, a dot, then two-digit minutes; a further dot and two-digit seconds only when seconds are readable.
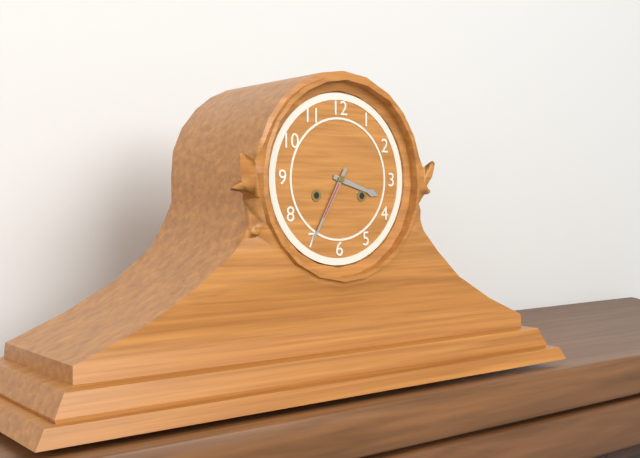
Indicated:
3.35
